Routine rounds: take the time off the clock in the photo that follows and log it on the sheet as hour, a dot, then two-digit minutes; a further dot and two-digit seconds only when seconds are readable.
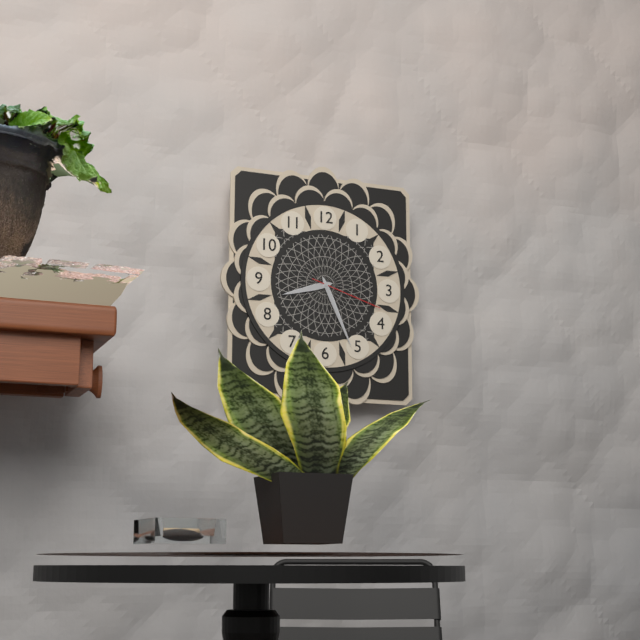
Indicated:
8.26.18
